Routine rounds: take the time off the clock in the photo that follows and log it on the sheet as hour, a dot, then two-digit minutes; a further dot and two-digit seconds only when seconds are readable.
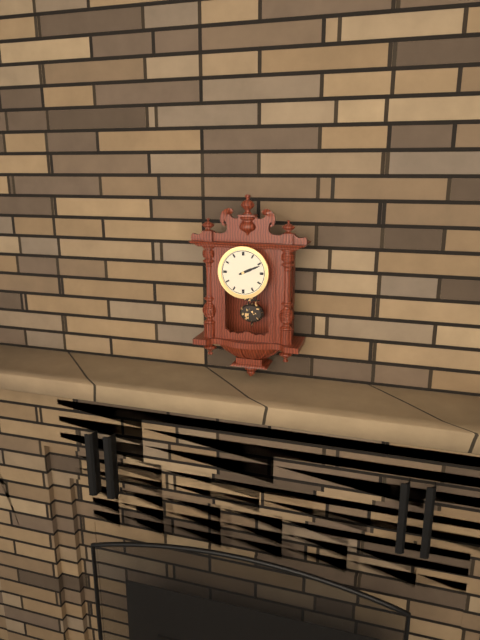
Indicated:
2.11
